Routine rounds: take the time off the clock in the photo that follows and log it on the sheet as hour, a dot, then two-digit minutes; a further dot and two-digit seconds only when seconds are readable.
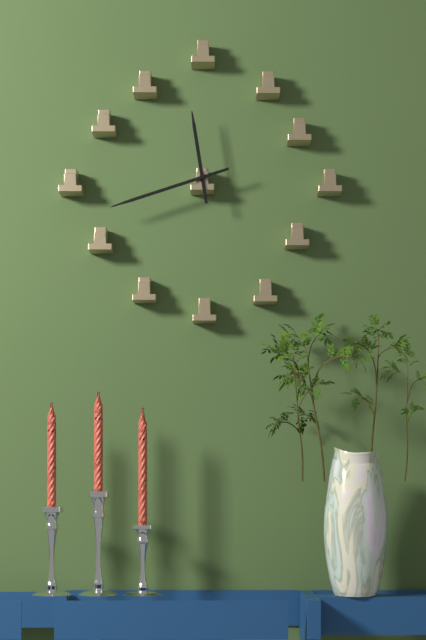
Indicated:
11.42
